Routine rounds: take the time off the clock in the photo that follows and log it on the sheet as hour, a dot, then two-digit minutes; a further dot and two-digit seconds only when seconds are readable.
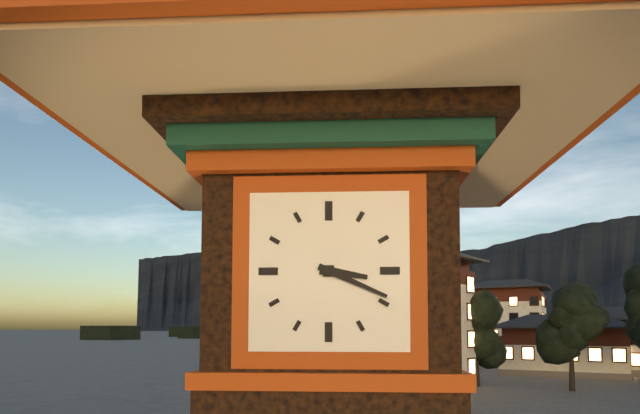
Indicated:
3.19
